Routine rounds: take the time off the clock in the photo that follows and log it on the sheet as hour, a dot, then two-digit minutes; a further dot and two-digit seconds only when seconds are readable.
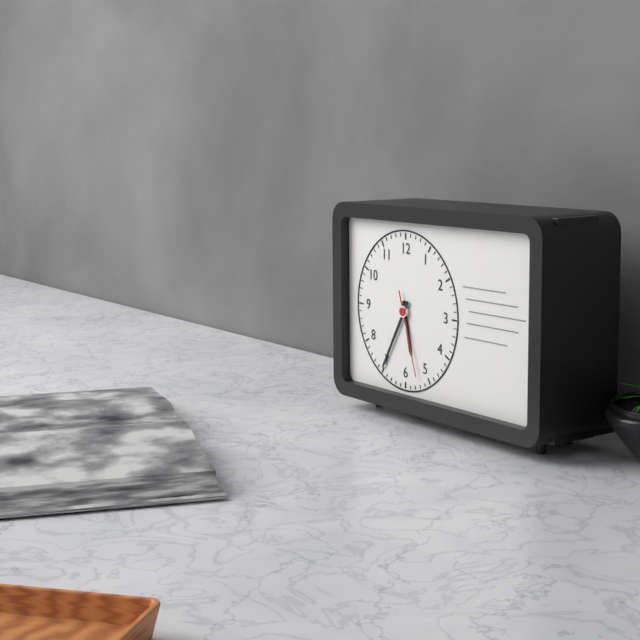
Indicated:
5.35.27
